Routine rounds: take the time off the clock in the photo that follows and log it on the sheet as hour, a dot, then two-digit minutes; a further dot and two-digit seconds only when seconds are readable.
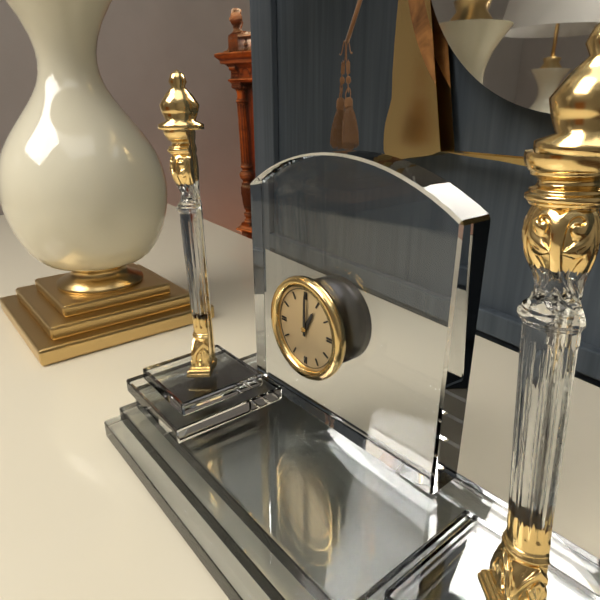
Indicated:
1.00
